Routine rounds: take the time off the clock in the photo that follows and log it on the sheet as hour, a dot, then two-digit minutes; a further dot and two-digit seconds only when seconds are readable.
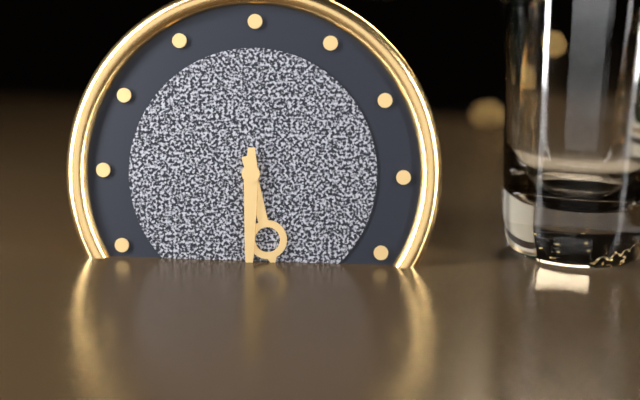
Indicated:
5.30
